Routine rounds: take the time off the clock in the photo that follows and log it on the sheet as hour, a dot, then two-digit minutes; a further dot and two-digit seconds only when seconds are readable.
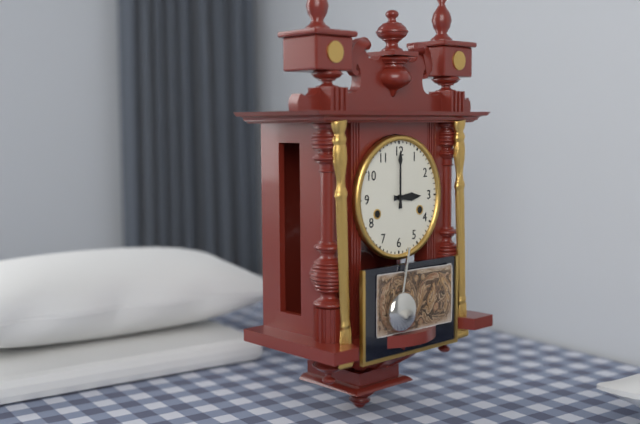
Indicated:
3.00
